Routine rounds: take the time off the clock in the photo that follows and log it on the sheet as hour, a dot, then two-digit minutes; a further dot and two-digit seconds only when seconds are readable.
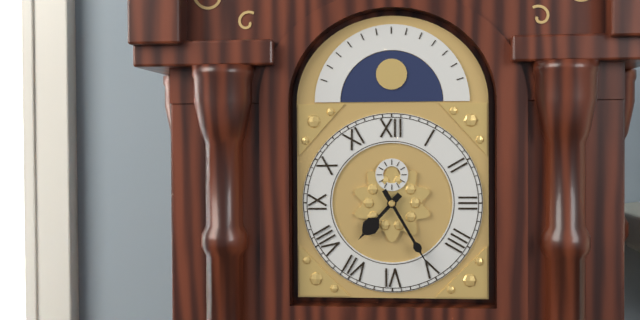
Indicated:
7.25
